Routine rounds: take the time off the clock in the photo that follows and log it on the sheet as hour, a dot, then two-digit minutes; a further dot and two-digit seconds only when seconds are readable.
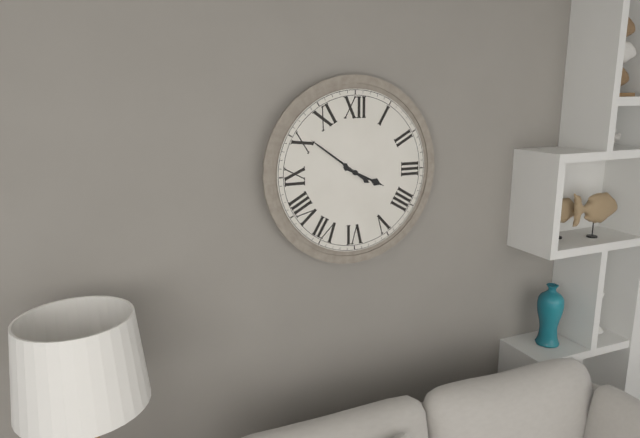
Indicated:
3.51
